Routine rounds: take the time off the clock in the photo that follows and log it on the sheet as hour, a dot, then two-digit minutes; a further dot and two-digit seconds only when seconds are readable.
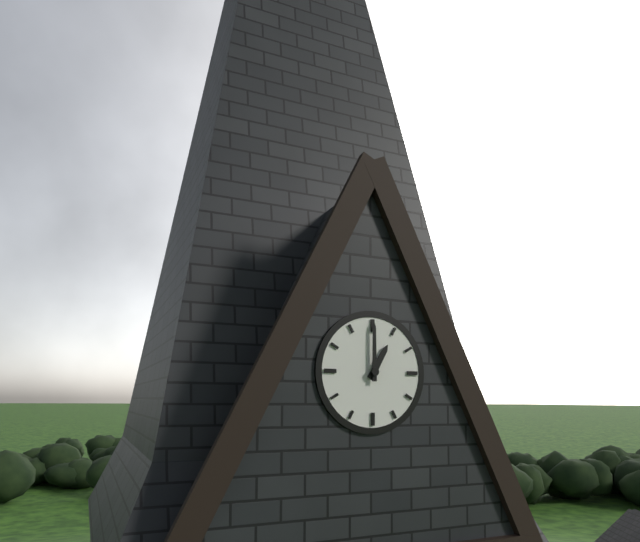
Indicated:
1.00
